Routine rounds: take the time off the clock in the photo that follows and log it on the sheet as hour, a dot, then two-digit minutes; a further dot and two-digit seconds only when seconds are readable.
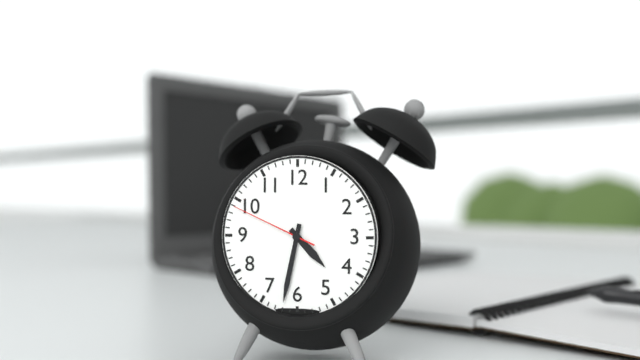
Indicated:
4.32.49
